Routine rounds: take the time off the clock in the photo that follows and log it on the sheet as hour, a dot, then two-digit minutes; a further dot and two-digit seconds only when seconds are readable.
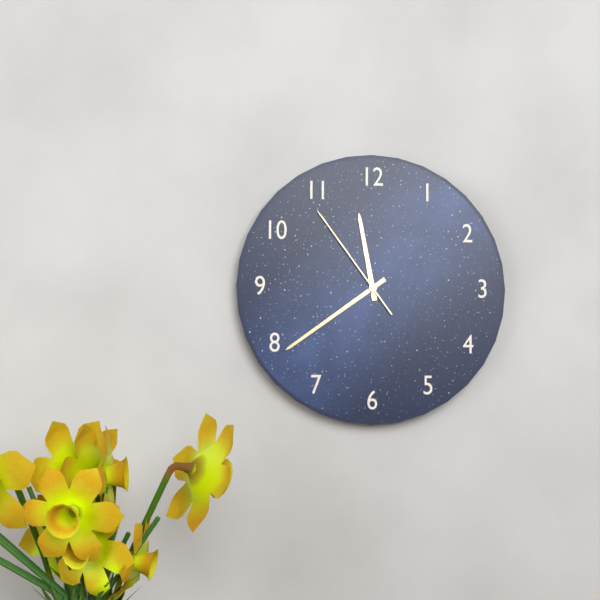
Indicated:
11.39.54
